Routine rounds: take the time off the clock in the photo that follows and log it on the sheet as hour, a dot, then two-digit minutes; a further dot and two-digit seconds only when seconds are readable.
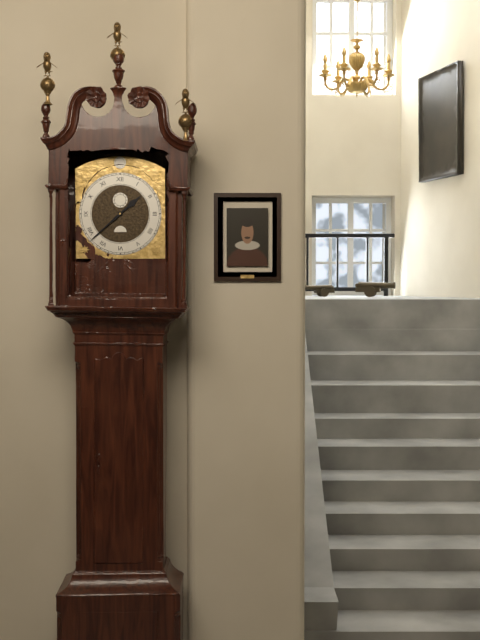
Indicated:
1.38
